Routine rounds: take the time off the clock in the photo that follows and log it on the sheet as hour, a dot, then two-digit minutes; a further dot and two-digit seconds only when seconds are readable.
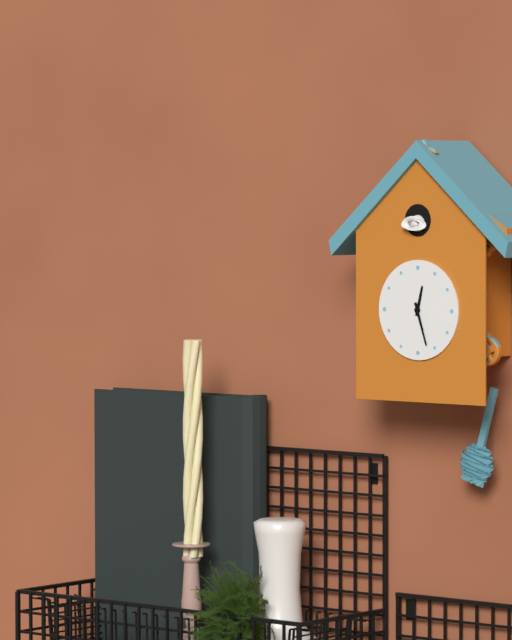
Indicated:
12.27
